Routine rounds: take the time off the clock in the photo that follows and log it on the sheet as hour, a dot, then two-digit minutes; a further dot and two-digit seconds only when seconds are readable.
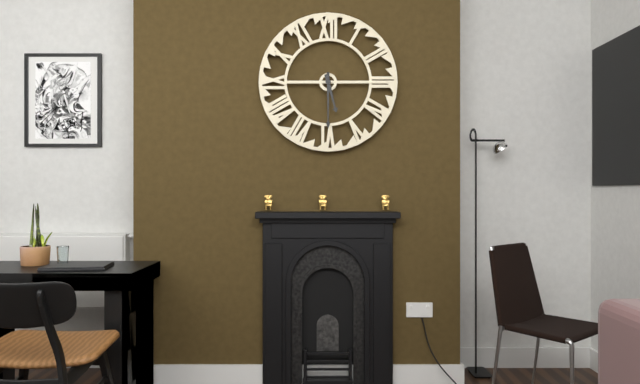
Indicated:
5.30
